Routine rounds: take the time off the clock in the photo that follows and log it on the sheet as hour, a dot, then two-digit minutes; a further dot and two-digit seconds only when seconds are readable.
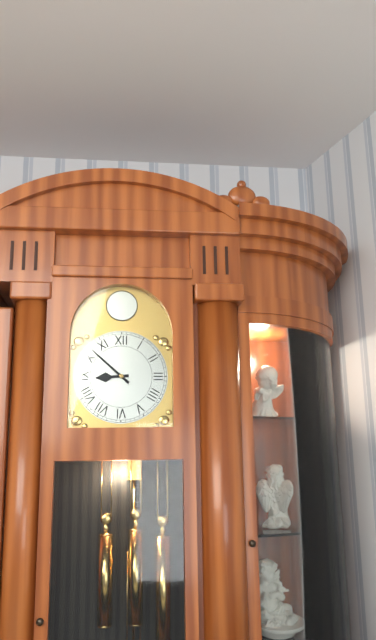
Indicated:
8.52
